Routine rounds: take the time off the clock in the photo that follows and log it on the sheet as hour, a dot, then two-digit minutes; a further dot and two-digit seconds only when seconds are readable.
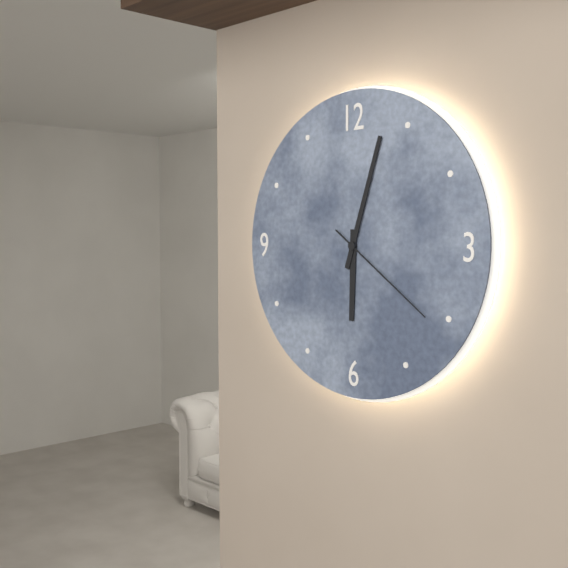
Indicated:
6.03.21
